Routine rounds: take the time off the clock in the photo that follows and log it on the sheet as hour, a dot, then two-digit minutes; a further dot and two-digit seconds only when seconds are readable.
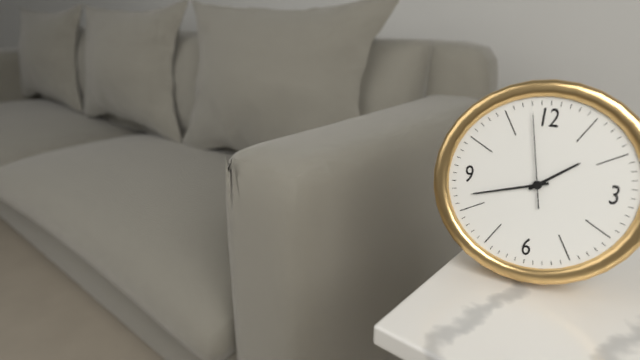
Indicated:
1.42.58
